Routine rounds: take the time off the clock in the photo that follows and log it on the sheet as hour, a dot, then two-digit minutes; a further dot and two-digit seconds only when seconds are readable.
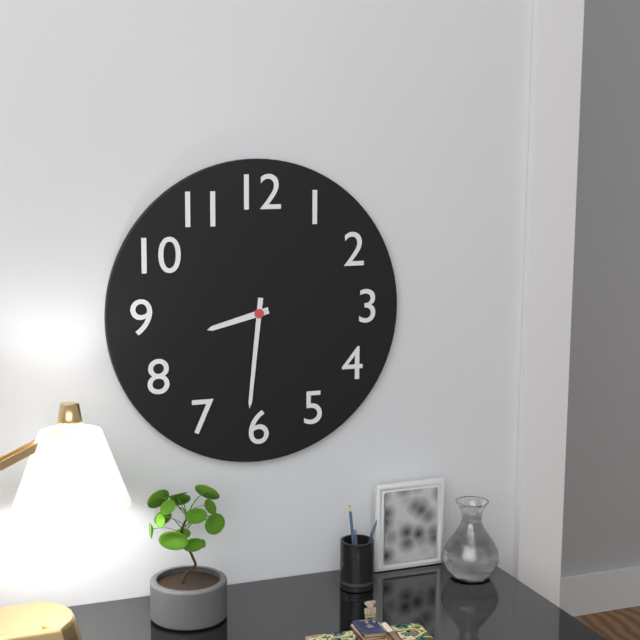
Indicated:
8.31
